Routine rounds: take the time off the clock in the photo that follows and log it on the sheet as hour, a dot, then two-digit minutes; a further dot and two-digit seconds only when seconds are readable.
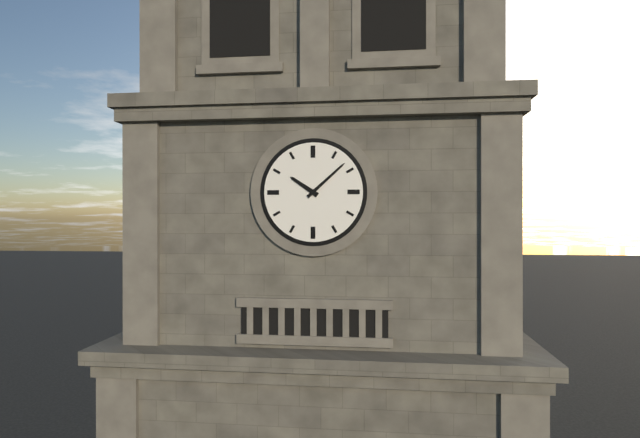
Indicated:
10.08
